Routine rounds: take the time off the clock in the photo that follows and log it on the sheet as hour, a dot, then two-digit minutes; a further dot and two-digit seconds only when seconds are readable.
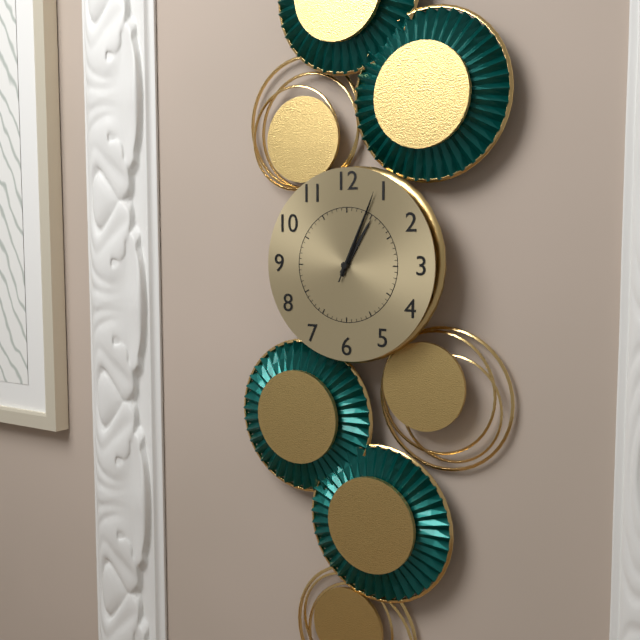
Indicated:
1.04.04
